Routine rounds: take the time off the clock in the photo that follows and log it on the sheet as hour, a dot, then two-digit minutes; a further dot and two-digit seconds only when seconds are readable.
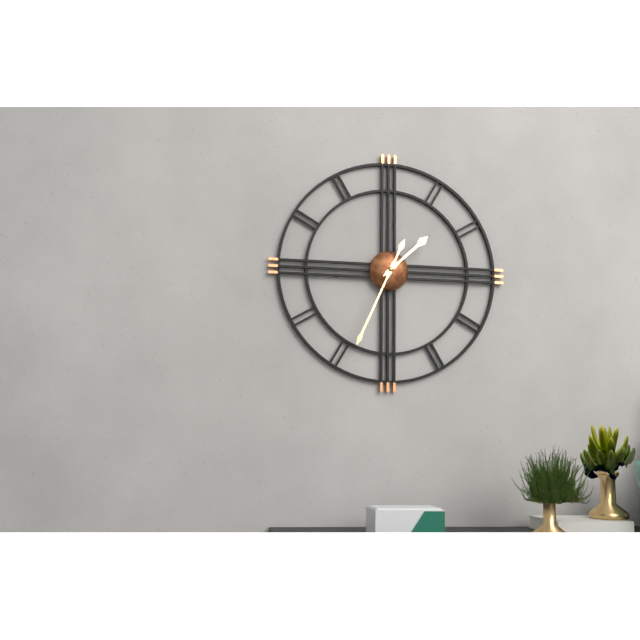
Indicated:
1.34
